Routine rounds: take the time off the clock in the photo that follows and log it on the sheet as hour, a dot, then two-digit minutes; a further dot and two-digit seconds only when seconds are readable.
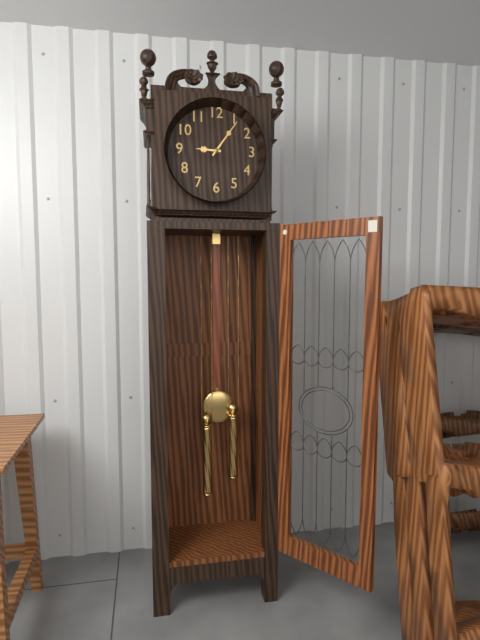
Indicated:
9.06
